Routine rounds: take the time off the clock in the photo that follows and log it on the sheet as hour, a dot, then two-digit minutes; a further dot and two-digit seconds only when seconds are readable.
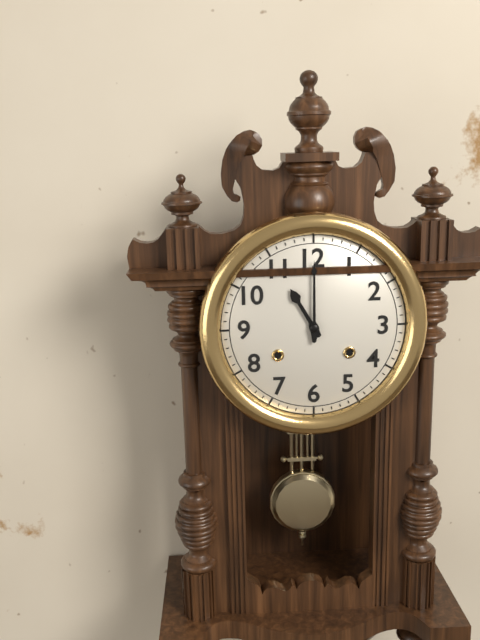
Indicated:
11.00
